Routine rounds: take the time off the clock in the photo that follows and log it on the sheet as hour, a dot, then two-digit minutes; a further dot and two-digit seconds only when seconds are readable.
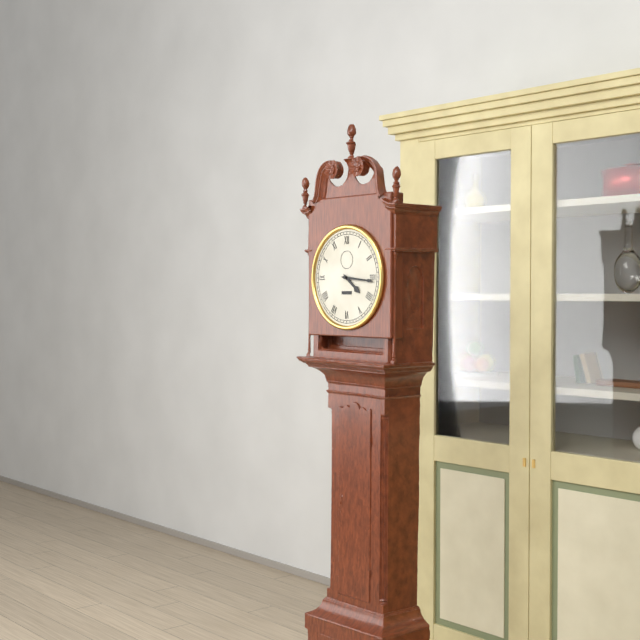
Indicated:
4.16
